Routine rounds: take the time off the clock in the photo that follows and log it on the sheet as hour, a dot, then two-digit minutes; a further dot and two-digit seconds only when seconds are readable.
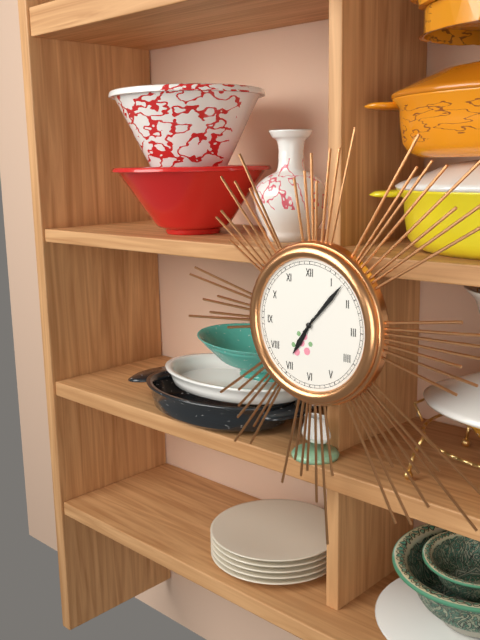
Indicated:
7.07
